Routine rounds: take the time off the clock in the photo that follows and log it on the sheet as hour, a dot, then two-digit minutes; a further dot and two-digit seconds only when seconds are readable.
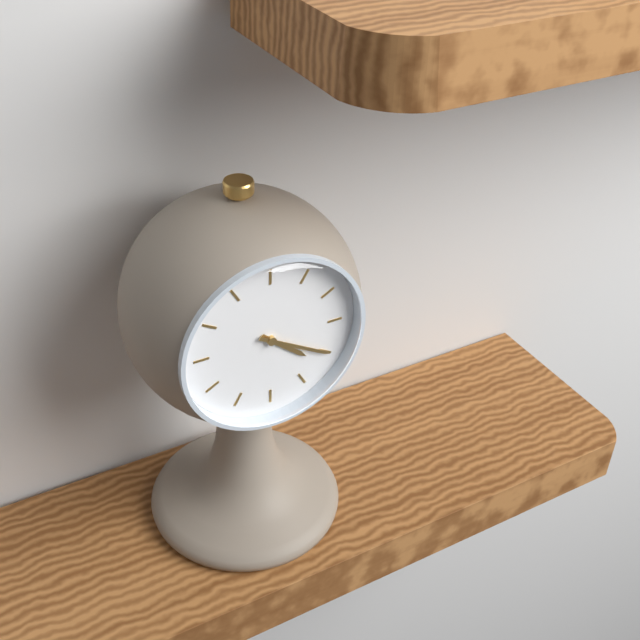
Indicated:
4.20
